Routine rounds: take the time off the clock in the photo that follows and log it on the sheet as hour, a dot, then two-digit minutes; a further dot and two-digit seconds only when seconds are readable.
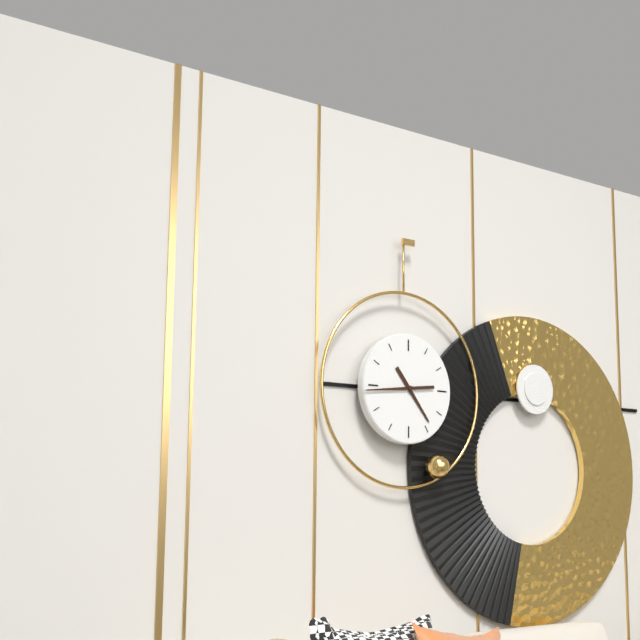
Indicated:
4.44
